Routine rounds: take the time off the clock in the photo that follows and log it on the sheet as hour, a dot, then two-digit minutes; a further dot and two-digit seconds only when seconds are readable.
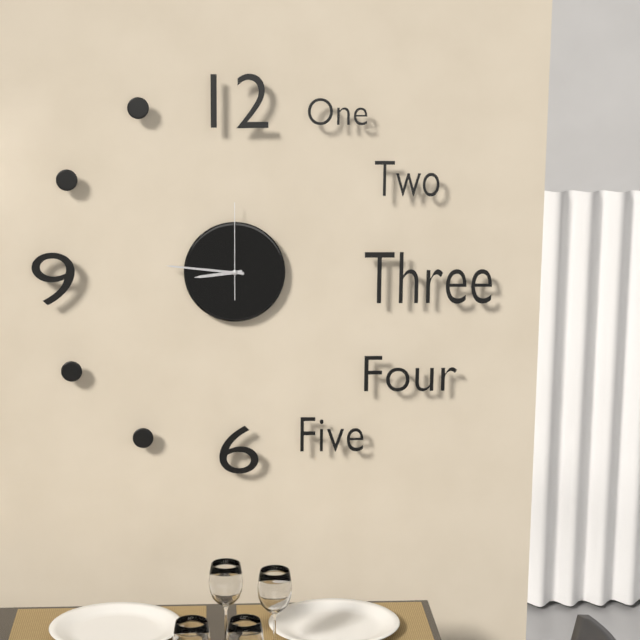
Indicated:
8.46.00
